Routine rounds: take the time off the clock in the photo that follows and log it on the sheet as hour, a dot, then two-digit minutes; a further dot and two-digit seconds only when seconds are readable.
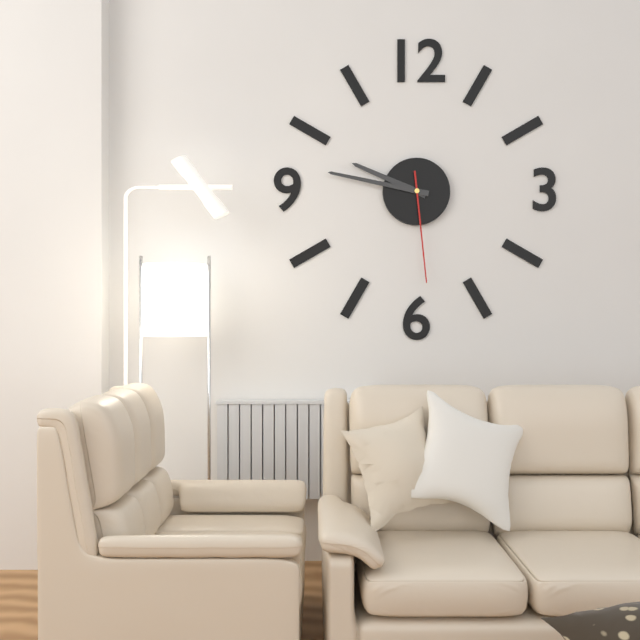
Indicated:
9.47.29
